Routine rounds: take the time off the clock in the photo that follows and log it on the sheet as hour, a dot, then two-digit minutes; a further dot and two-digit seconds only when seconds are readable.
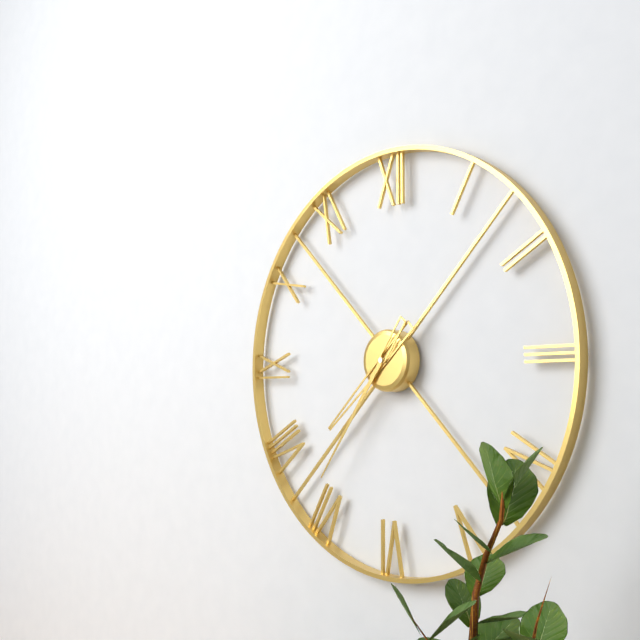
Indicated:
7.36
